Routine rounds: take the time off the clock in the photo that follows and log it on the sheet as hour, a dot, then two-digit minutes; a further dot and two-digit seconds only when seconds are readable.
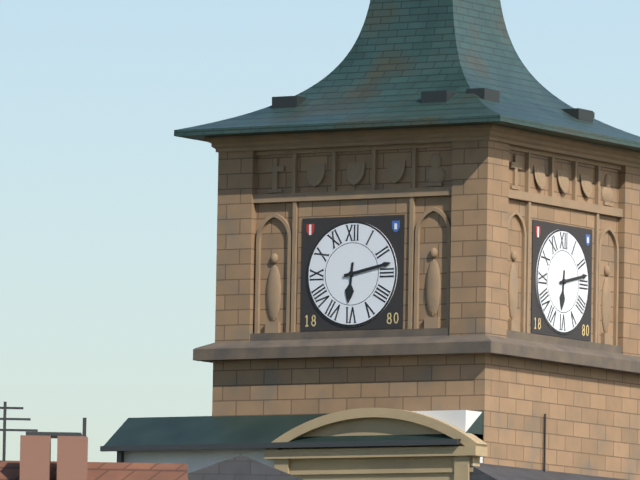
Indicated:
6.13
